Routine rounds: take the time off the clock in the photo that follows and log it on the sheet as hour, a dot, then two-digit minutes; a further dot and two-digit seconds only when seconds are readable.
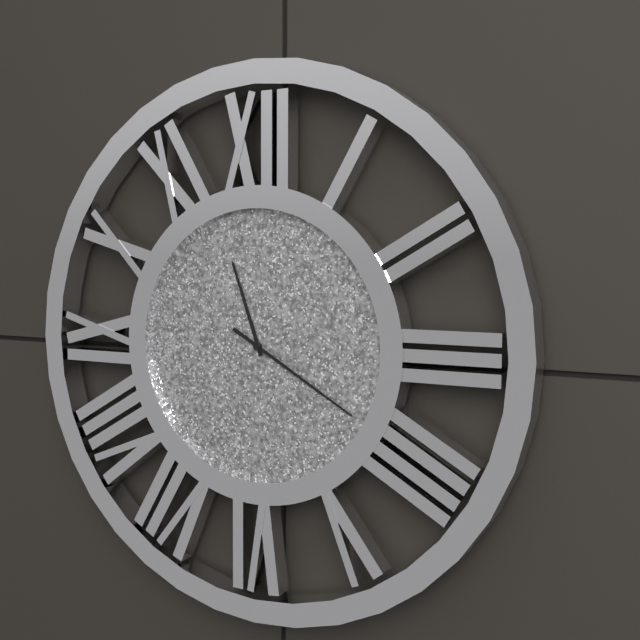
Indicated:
11.20
